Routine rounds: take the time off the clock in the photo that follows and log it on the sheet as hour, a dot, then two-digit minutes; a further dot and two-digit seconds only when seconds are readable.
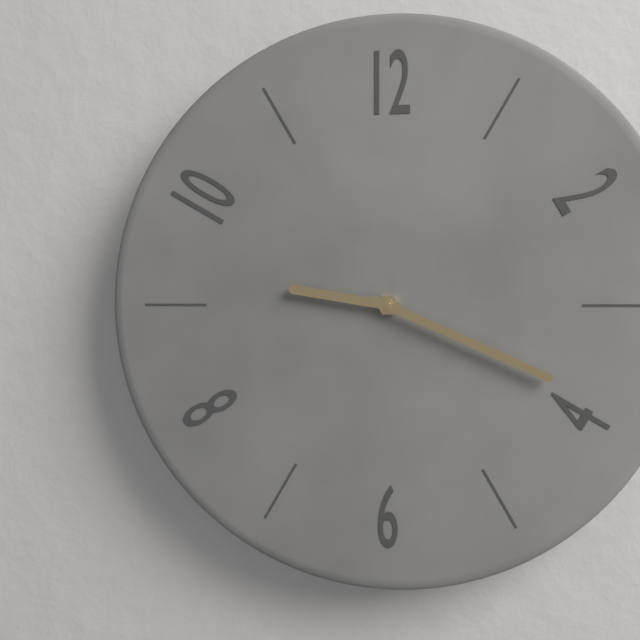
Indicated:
9.19
